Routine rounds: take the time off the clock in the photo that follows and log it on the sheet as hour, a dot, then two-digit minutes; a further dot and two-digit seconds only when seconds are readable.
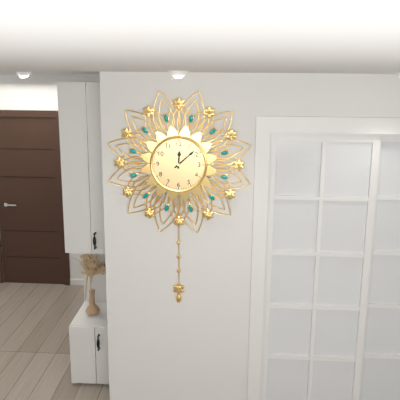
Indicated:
12.08
